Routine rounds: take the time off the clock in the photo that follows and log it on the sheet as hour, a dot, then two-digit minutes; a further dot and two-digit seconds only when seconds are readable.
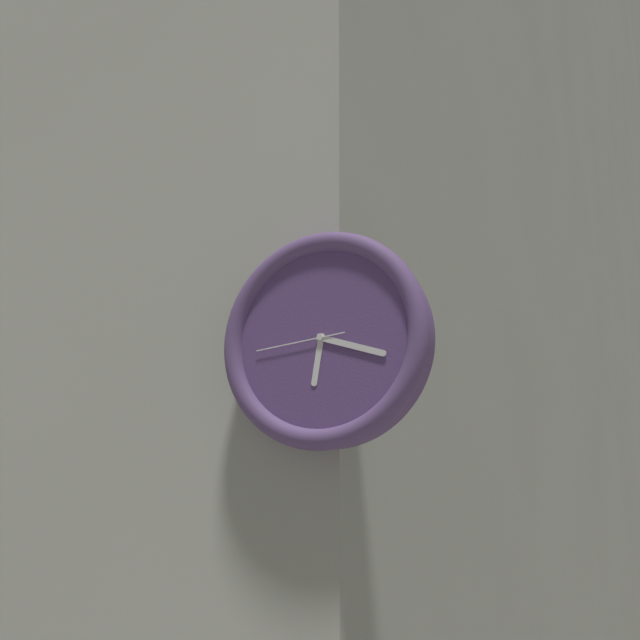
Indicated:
6.18.44
